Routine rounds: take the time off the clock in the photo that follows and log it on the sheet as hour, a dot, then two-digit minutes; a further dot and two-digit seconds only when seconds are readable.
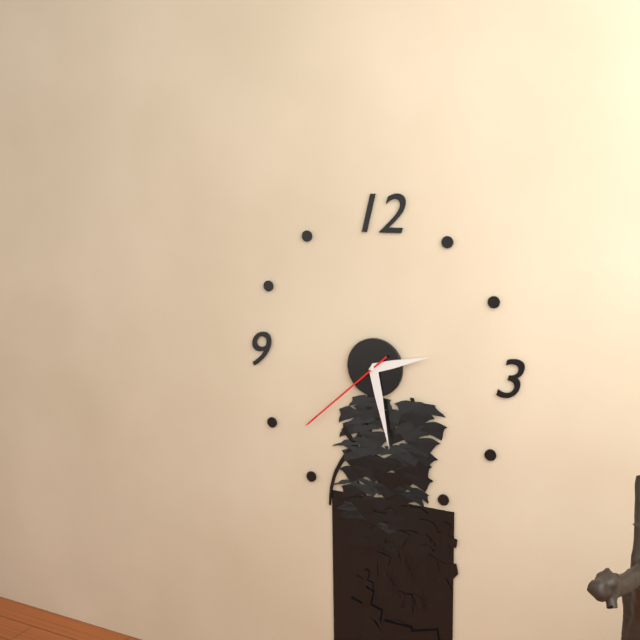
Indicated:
2.28.38
